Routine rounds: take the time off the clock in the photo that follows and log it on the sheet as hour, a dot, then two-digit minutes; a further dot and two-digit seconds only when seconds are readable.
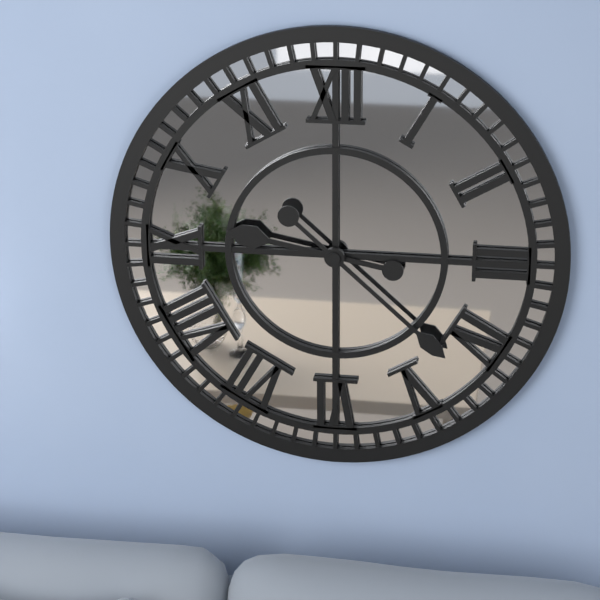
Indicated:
9.22
